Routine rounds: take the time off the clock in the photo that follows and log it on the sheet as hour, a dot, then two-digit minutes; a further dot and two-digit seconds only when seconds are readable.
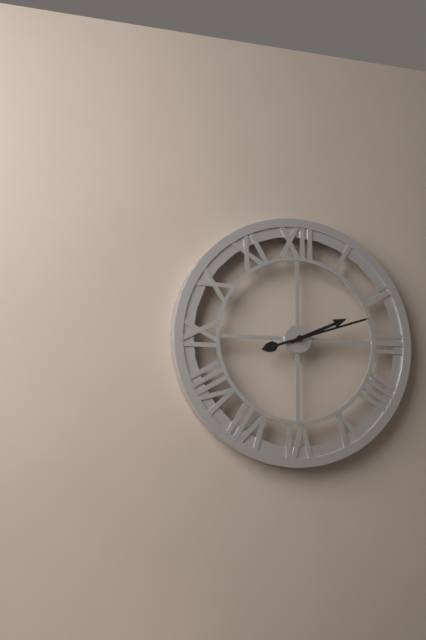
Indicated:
2.12
